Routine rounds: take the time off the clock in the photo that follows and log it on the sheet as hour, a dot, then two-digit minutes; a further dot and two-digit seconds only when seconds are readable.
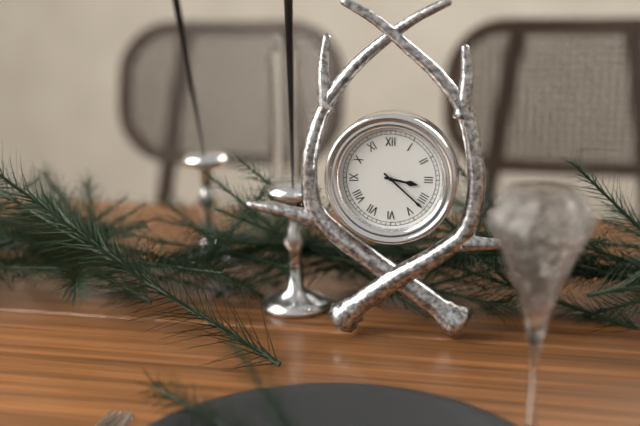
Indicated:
3.22
